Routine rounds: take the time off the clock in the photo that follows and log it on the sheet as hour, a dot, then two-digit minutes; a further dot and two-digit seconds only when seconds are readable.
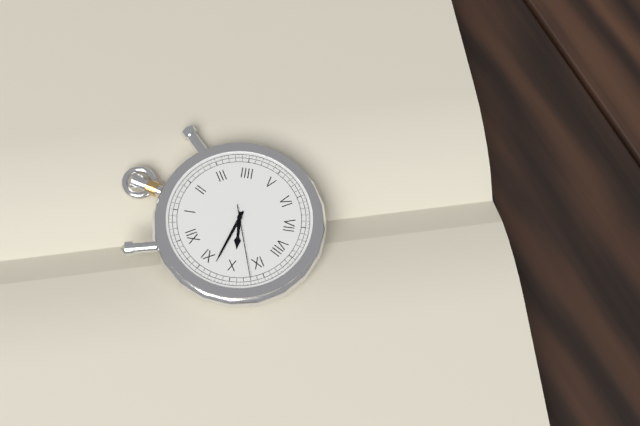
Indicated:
9.53.47
